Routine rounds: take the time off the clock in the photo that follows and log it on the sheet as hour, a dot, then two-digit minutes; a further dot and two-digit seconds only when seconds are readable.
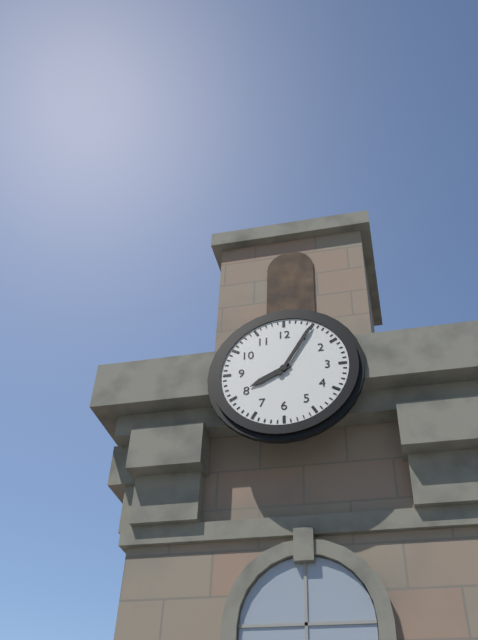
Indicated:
8.05
